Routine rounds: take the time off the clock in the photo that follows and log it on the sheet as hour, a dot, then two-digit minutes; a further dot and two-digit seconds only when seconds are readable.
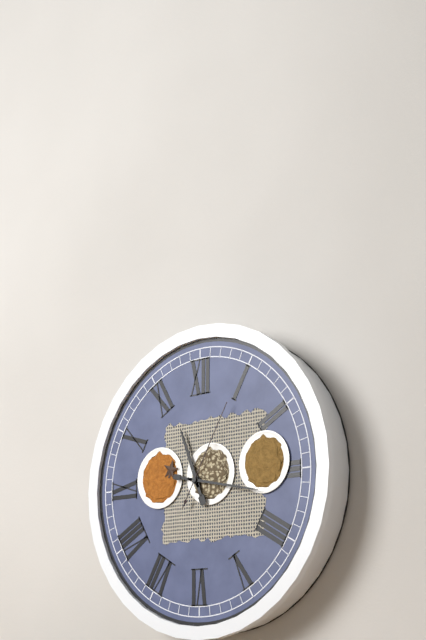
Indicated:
11.17.05
